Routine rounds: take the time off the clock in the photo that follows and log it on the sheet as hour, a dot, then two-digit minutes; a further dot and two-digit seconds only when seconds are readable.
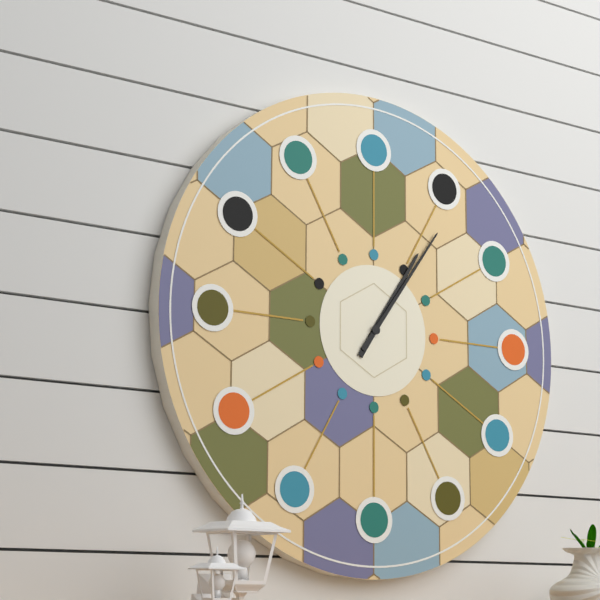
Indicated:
1.06
